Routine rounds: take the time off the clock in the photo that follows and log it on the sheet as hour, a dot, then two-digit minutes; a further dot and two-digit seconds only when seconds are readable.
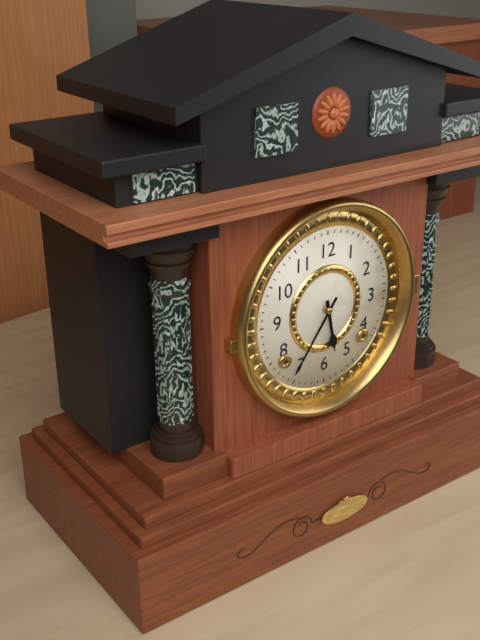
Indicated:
5.36
